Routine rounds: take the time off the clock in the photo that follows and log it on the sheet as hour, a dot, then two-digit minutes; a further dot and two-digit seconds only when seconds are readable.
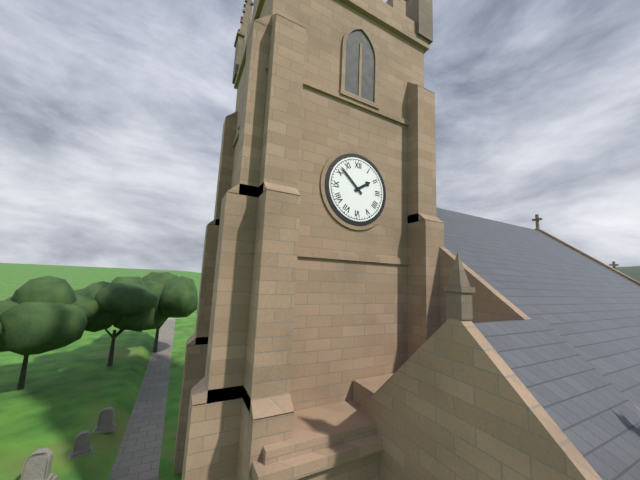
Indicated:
1.52
